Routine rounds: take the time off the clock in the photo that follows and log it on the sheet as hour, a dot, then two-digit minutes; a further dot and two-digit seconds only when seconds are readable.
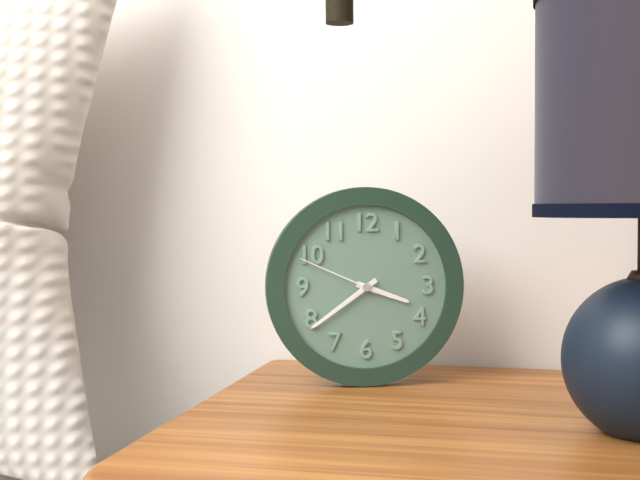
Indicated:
3.39.49
